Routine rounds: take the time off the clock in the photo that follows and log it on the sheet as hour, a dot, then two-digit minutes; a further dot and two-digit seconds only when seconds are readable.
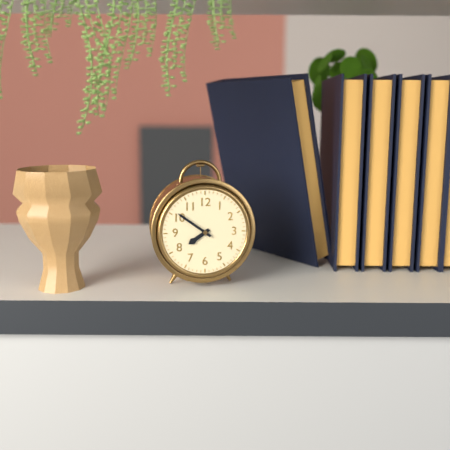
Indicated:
7.51
